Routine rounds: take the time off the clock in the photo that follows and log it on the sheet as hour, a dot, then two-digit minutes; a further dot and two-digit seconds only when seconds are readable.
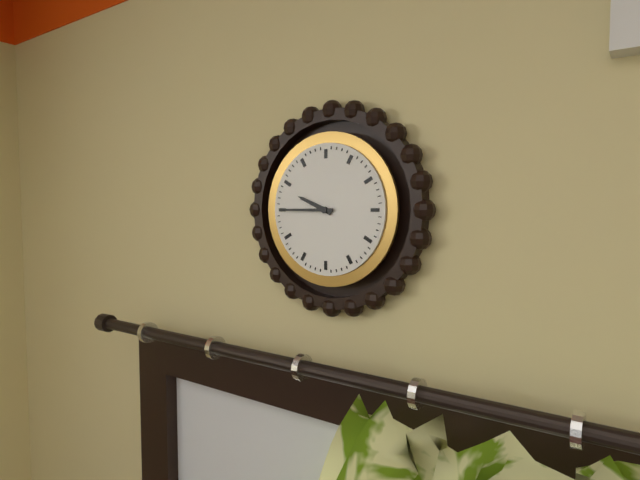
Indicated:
9.45
